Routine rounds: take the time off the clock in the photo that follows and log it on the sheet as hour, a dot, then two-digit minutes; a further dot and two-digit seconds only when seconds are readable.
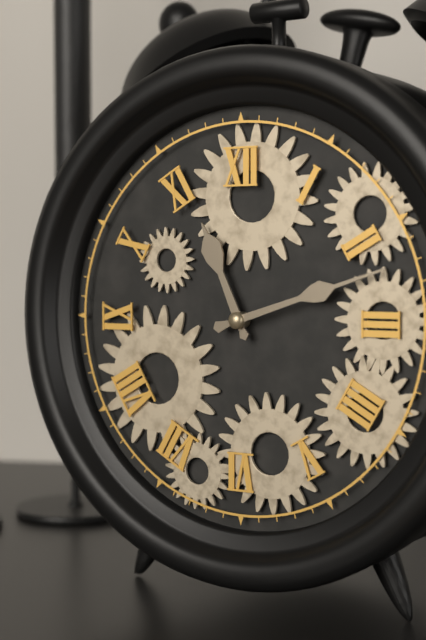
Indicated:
11.12
